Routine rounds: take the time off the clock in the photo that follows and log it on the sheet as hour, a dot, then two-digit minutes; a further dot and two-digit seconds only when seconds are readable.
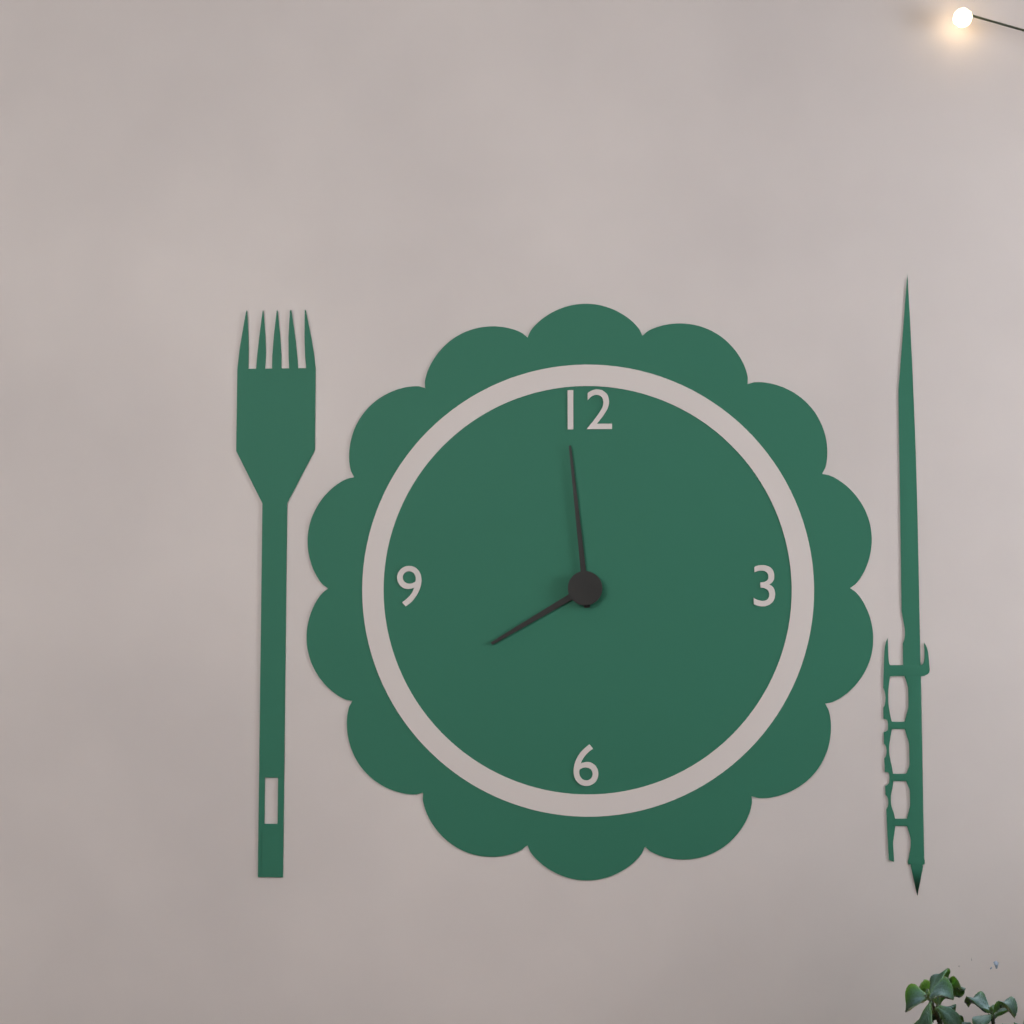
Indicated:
7.59
